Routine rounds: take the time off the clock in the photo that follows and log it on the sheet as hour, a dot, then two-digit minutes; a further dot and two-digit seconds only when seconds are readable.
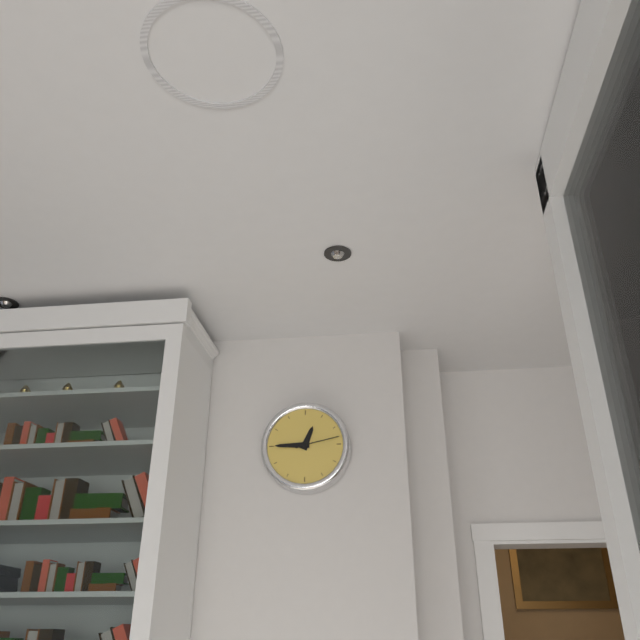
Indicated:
12.45
